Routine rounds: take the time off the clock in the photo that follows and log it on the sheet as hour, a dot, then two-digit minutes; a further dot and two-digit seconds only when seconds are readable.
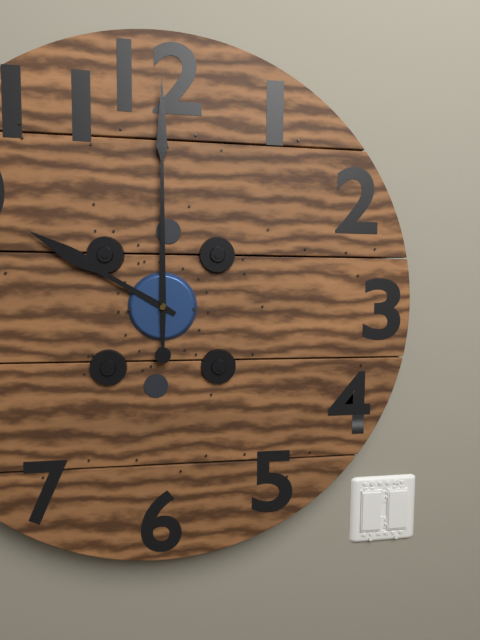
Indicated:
10.00
